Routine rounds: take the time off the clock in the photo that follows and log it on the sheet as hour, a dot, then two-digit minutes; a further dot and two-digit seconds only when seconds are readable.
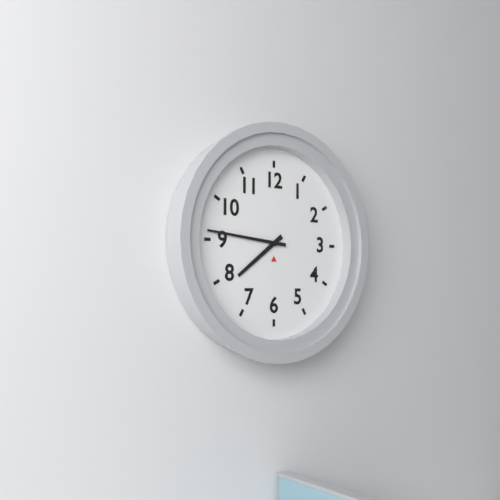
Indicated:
7.46
